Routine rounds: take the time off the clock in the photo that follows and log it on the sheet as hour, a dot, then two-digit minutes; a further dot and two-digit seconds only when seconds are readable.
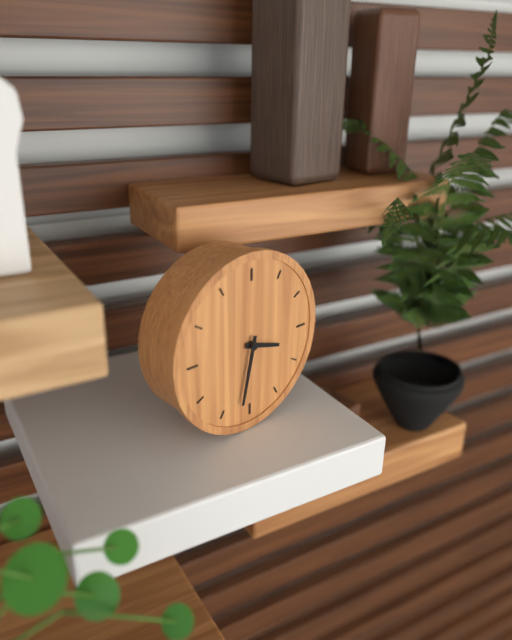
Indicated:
3.32
